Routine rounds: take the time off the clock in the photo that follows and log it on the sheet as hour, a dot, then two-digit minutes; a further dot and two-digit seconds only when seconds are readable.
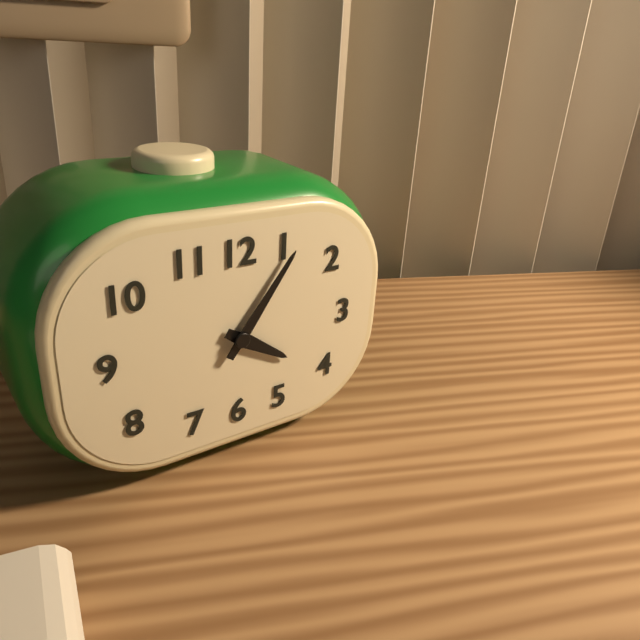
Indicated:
4.06
